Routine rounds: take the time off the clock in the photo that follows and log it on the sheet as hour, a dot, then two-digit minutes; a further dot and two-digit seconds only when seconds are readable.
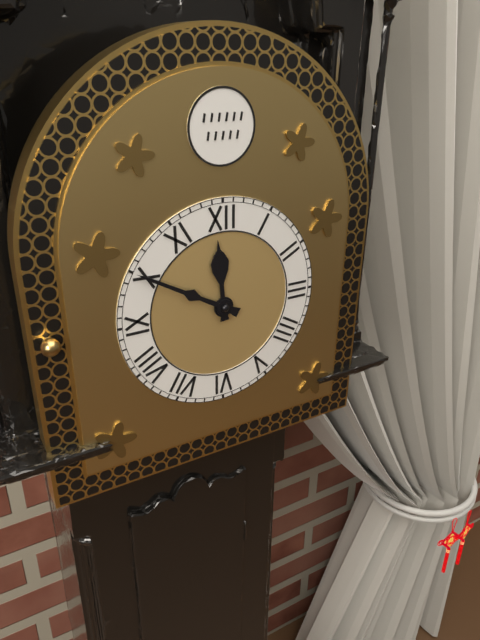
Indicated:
11.50
